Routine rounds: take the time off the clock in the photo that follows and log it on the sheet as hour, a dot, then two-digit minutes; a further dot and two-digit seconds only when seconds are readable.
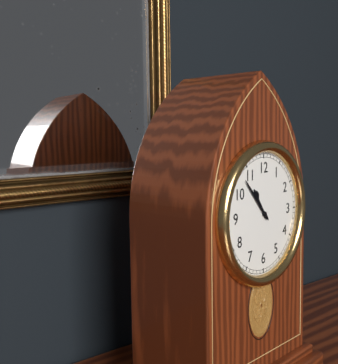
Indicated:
10.53
